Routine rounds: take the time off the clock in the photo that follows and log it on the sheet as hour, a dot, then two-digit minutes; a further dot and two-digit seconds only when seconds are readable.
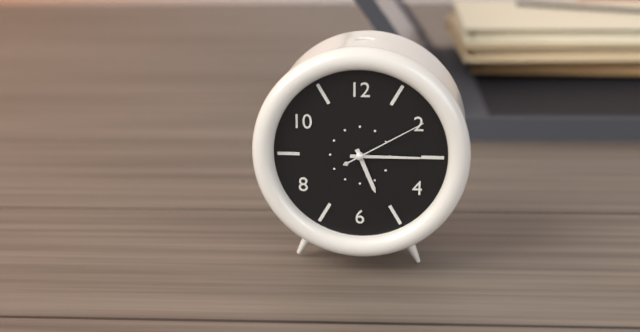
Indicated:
5.15.10
